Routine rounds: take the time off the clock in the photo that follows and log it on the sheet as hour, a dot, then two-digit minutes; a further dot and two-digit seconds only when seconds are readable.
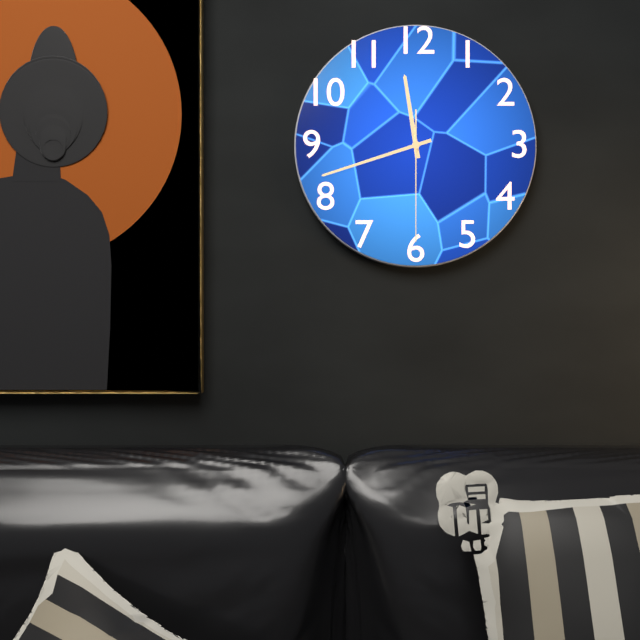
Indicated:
11.42.30
